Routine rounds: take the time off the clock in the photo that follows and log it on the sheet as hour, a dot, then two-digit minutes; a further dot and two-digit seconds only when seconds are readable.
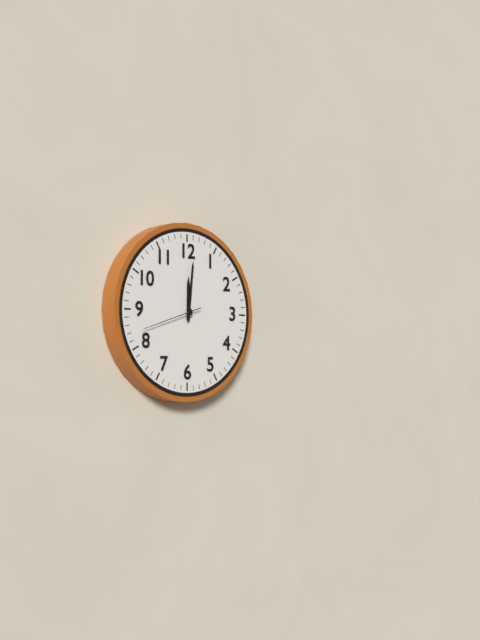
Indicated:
12.01.42
